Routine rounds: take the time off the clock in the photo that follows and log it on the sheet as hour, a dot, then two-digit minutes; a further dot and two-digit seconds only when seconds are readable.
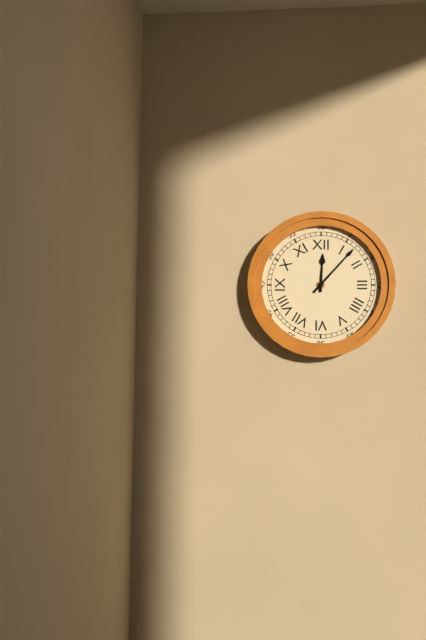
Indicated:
12.07
